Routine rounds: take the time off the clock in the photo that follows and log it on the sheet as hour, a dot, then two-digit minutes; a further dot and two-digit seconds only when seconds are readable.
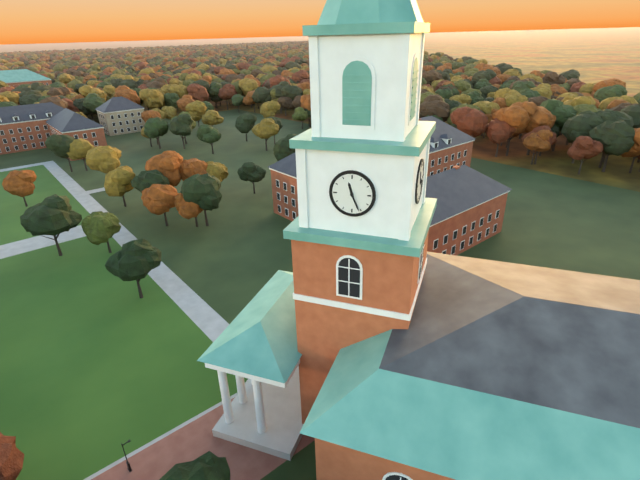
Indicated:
11.26
